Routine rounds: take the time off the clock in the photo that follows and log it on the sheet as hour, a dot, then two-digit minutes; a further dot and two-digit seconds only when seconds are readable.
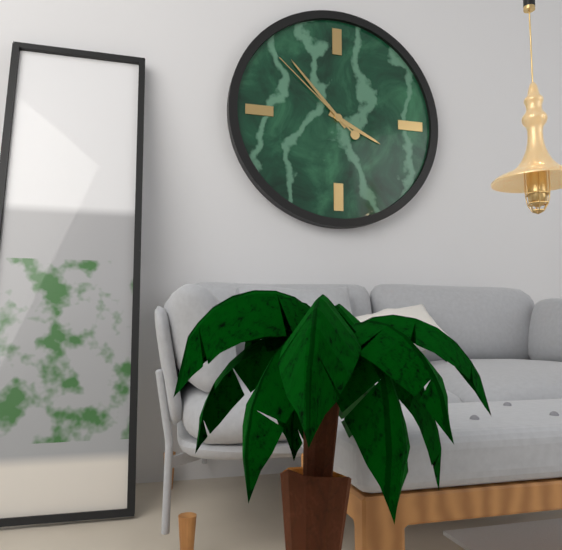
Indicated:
3.53.52
